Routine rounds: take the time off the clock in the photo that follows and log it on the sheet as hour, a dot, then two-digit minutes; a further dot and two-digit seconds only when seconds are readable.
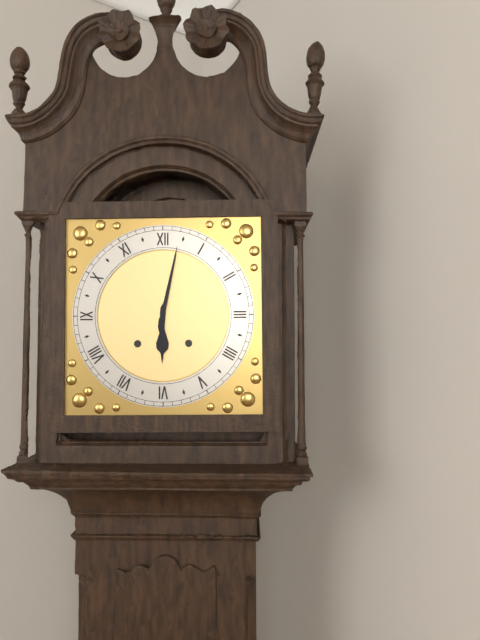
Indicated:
6.02
